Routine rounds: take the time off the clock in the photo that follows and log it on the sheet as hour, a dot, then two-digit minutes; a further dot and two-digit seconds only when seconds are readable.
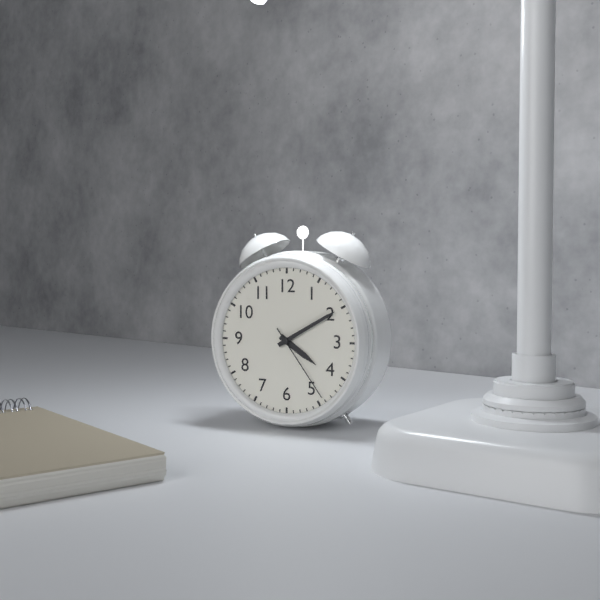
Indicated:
4.10.24
